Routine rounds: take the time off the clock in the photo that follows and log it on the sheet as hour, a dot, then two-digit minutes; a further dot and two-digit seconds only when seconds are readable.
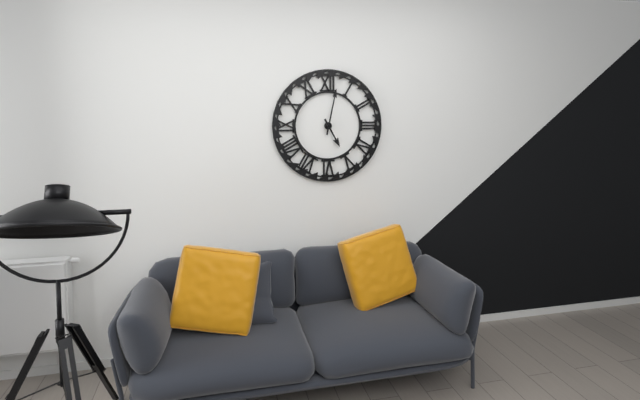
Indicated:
5.02
